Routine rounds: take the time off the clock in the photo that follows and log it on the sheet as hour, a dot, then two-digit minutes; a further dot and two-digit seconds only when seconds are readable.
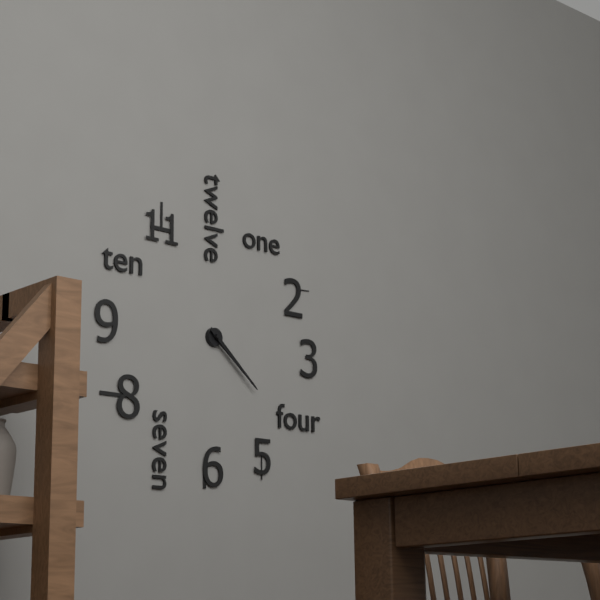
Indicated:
4.22
